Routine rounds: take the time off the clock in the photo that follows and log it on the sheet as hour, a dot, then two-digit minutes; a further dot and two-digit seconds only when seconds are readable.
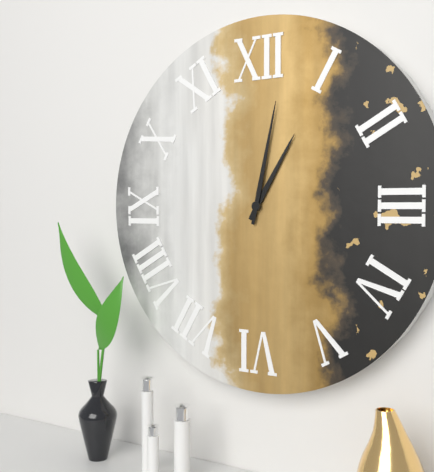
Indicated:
1.02
